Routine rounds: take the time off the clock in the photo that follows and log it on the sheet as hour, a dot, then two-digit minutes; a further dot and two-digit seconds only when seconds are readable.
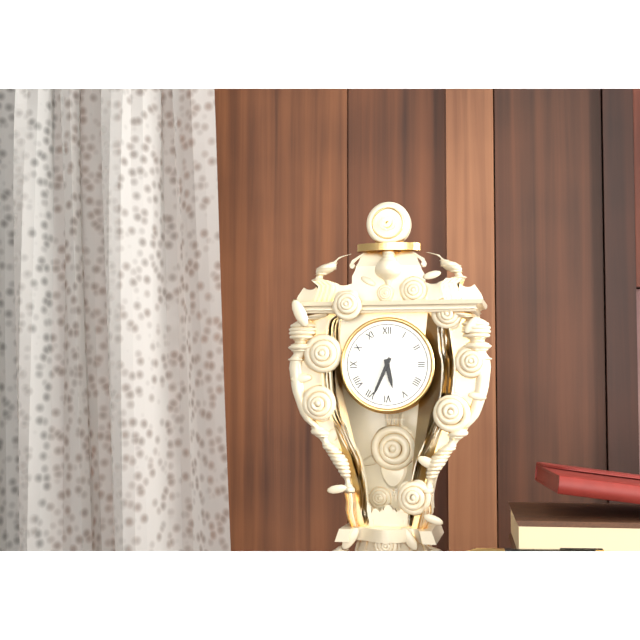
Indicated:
5.34
